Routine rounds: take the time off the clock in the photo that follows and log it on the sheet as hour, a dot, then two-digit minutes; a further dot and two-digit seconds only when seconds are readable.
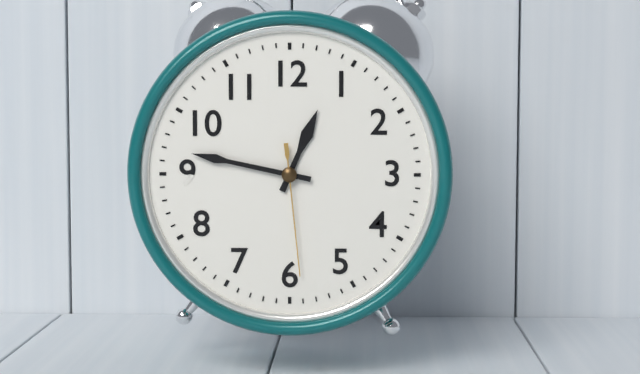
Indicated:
12.47.29
